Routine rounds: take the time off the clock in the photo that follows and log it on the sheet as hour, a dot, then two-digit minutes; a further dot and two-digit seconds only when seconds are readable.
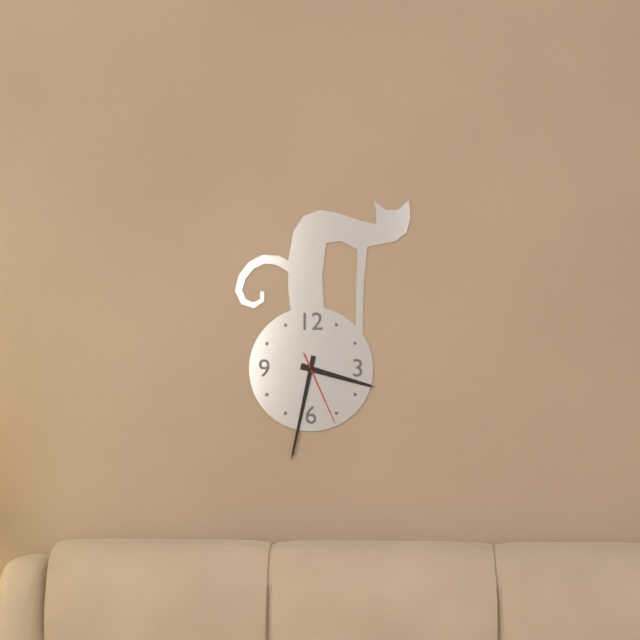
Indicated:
3.32.26
